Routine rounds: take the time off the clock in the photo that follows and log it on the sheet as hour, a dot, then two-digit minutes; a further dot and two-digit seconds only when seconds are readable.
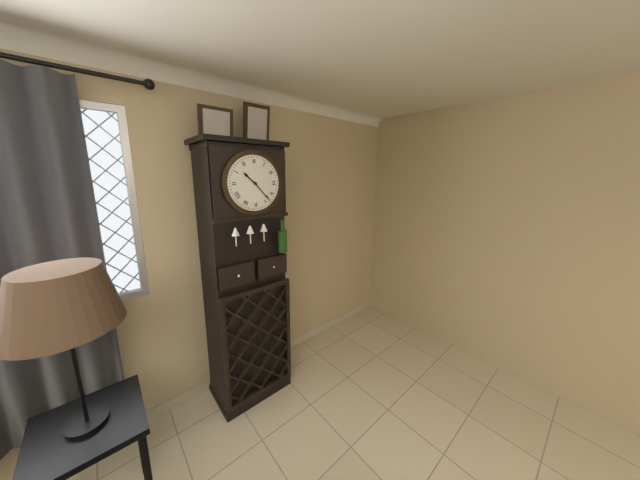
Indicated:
10.23
